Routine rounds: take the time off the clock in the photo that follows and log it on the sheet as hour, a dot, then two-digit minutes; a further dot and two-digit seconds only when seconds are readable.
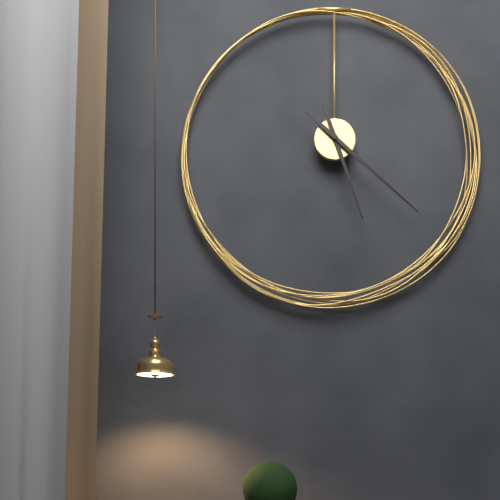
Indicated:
5.22
